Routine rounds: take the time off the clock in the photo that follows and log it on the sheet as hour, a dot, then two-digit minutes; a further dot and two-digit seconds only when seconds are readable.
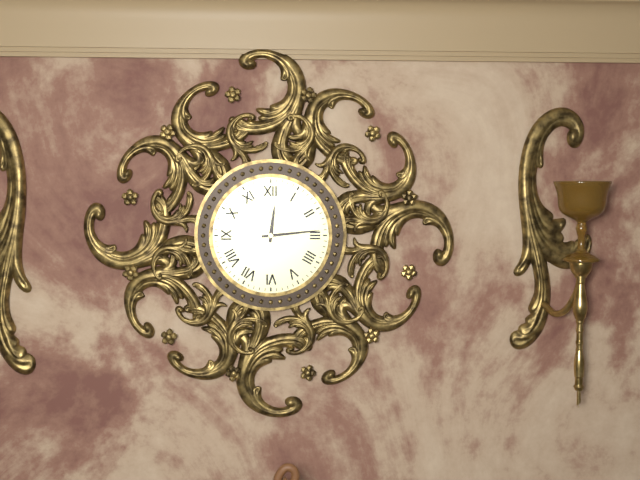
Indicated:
12.14
